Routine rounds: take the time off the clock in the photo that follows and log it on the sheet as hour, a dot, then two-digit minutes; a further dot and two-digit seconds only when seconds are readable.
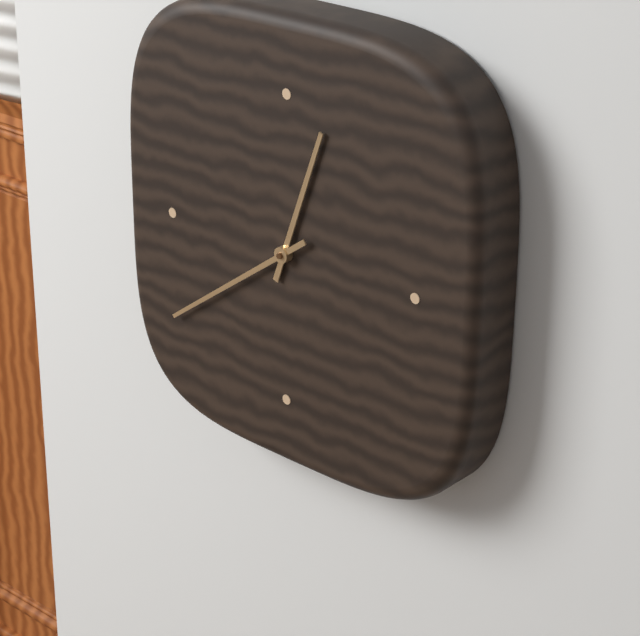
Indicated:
12.39
